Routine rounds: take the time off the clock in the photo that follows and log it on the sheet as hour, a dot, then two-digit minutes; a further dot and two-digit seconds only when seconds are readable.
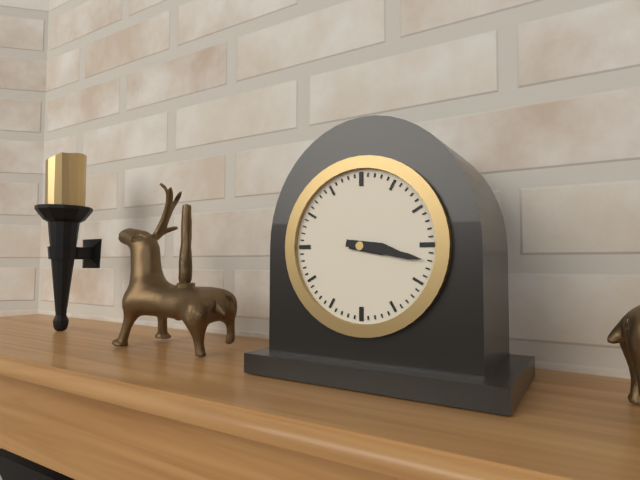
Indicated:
3.17
